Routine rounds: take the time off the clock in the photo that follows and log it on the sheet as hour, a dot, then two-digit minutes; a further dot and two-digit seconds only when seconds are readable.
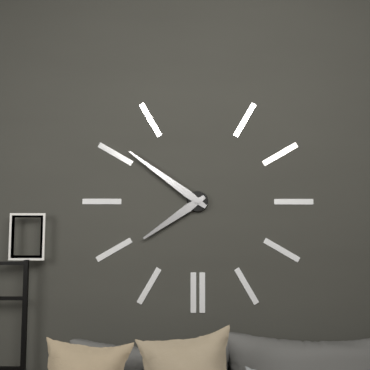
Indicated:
7.51
